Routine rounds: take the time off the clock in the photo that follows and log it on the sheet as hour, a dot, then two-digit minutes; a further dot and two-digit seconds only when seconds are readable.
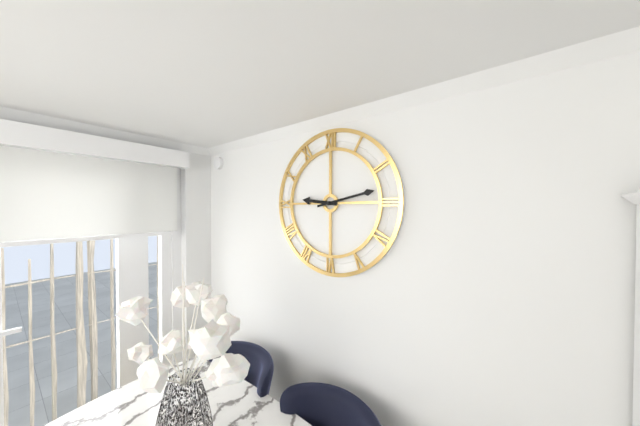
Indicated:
9.13
